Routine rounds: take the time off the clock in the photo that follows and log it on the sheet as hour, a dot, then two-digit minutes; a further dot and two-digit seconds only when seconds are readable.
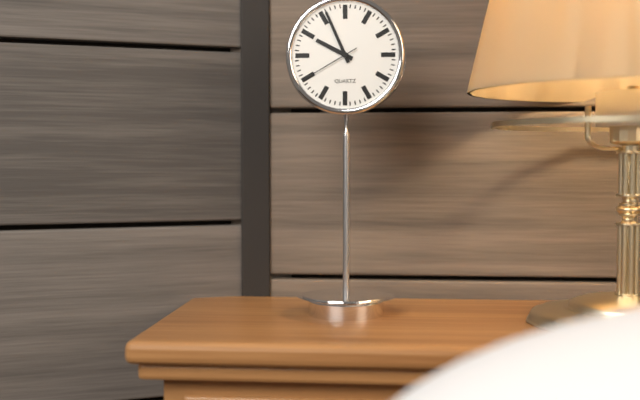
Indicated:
9.56.40
